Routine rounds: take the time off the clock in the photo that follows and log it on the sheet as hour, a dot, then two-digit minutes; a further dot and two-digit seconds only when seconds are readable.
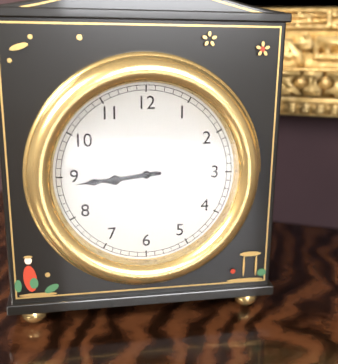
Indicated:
8.44
